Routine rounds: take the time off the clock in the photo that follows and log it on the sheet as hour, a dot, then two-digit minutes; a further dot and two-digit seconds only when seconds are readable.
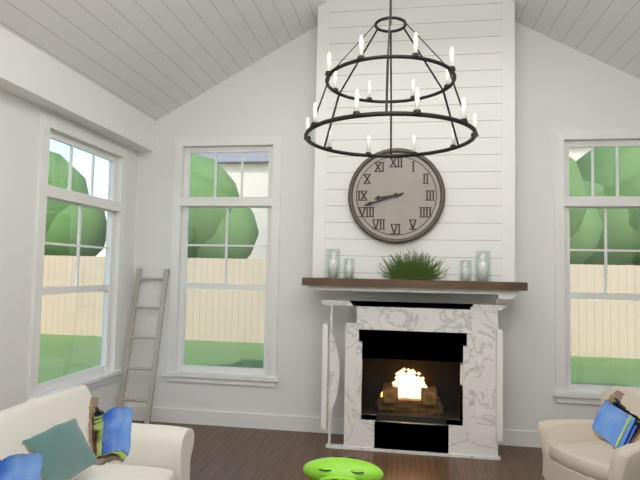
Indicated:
8.42
